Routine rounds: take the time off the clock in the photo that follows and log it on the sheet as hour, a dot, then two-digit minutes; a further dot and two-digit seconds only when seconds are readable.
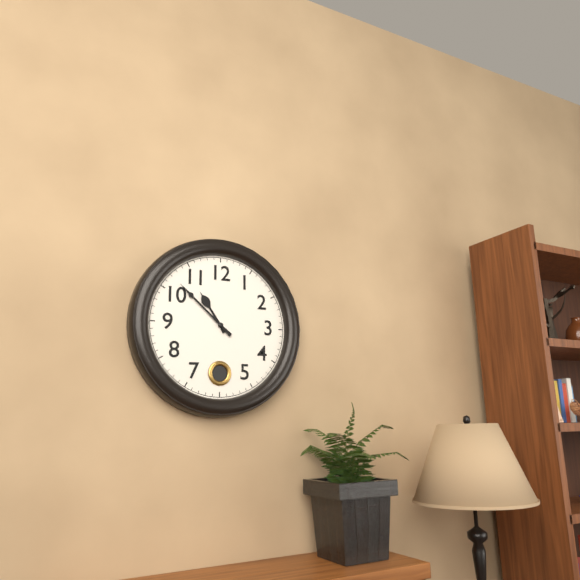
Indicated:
10.52
